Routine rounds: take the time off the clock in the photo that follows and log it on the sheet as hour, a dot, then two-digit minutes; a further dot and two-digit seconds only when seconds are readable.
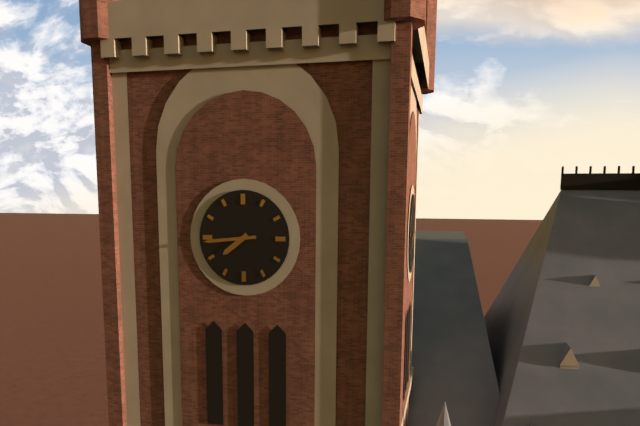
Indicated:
7.44
